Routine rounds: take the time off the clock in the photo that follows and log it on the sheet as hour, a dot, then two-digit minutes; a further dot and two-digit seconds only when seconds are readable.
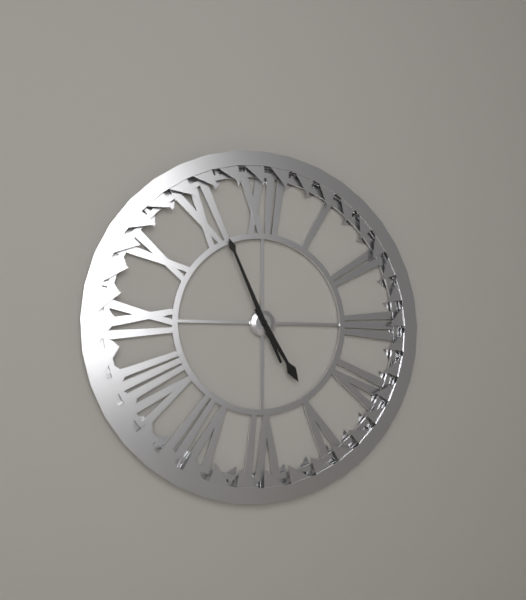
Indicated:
4.56
